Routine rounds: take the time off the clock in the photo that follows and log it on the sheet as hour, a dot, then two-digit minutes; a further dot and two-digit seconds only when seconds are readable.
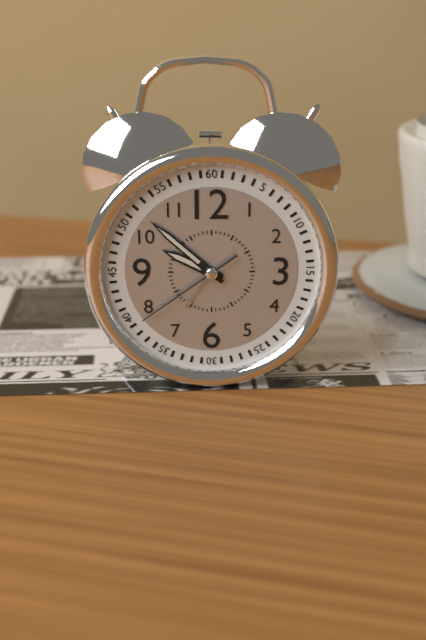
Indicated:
9.52.39
